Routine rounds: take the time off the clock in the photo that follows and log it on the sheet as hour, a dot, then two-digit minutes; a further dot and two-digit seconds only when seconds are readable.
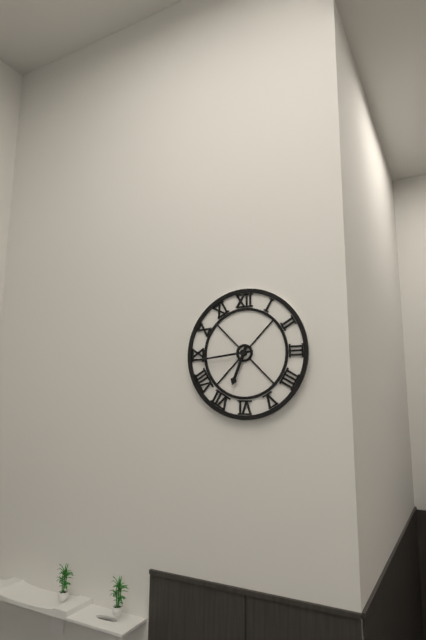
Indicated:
6.44
